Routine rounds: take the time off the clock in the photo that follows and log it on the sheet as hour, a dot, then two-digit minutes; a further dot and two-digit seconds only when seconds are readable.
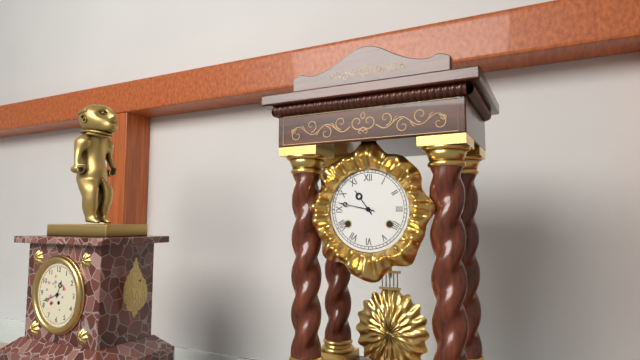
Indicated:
10.47
